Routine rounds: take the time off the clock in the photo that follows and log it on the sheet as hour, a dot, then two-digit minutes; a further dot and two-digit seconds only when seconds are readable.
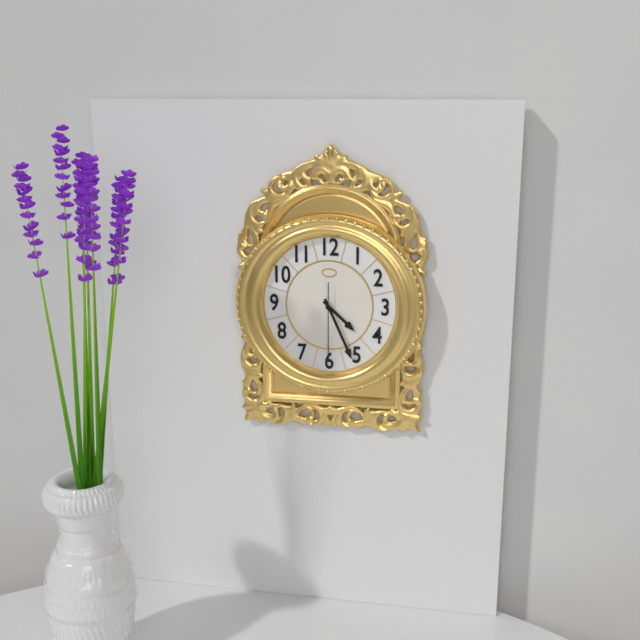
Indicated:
4.26.30
